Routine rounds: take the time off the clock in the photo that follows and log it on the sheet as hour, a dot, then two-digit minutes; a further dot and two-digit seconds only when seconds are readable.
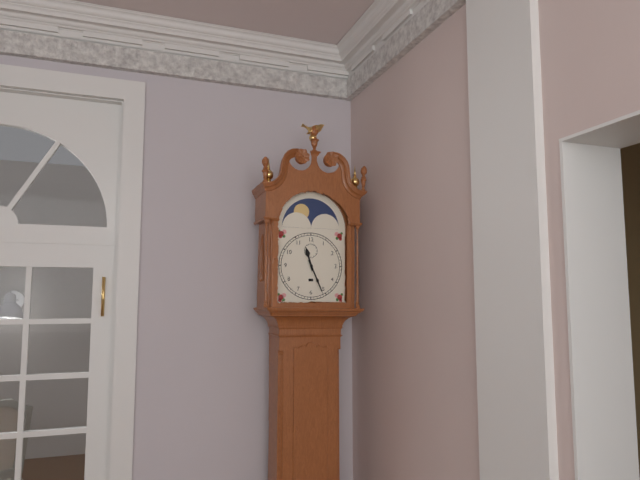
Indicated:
11.26
